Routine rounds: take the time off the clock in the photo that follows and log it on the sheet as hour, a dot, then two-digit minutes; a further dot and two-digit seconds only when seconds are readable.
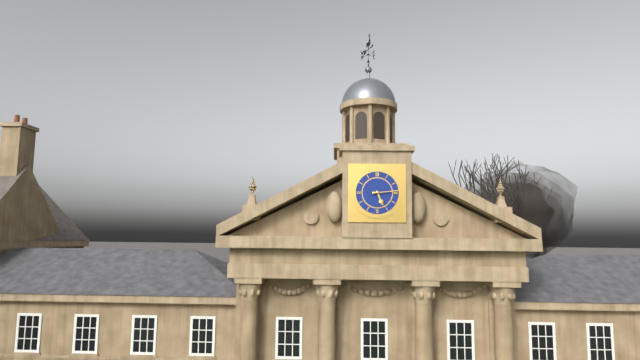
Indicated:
5.14
